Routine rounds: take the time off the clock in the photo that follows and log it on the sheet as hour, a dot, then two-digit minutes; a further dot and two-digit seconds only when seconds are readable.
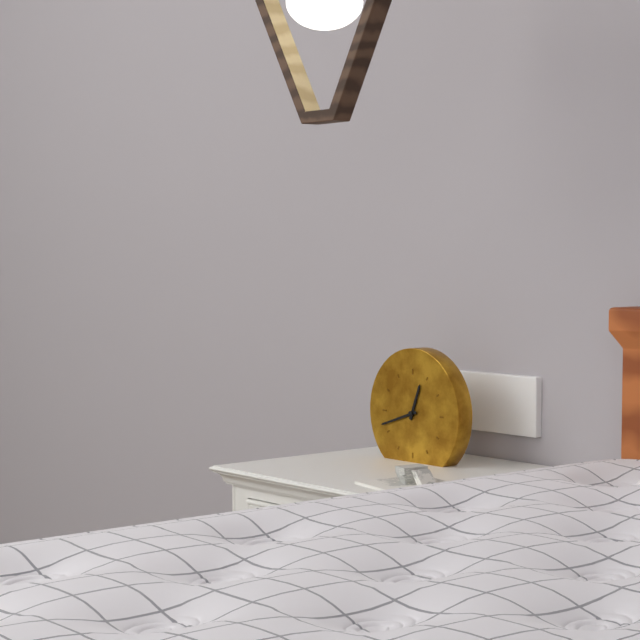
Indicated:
12.42
